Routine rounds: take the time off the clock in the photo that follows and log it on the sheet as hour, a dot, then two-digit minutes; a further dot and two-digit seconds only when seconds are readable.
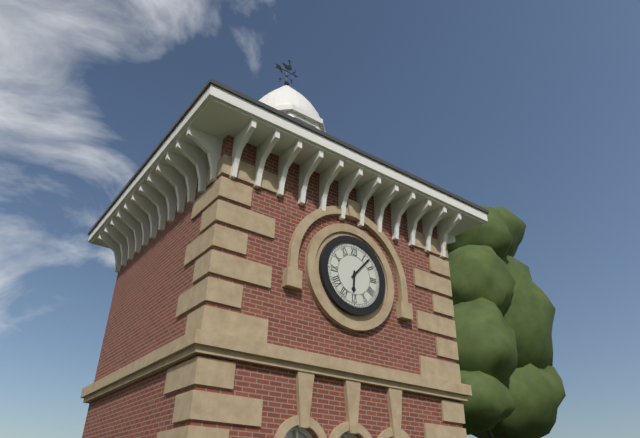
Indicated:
6.07
